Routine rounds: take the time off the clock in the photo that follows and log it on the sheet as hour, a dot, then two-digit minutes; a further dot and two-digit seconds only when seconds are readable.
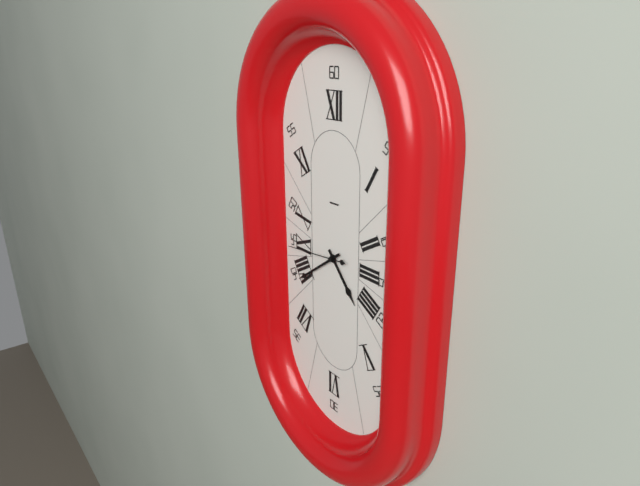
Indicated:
4.39.44
